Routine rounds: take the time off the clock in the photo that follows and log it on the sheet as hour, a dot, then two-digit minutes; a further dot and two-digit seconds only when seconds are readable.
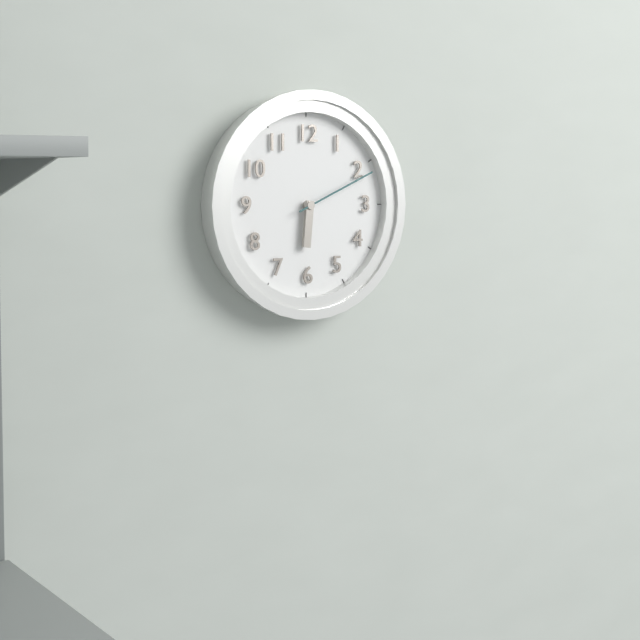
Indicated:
6.11
